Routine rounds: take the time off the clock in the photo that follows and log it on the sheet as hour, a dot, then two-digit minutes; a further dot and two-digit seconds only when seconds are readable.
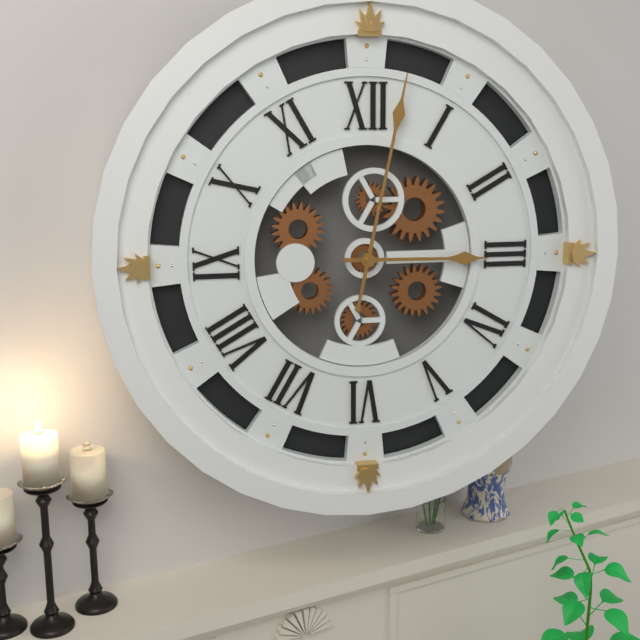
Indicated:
3.02
